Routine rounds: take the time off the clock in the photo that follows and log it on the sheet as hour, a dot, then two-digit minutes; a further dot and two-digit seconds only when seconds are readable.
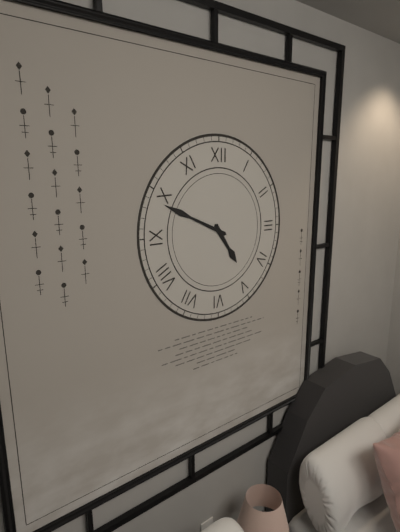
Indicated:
4.49
